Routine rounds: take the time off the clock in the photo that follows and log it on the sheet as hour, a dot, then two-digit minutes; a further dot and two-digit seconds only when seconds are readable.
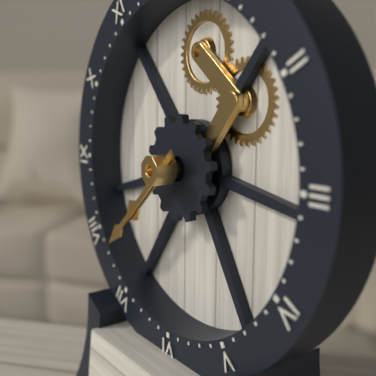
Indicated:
7.38
